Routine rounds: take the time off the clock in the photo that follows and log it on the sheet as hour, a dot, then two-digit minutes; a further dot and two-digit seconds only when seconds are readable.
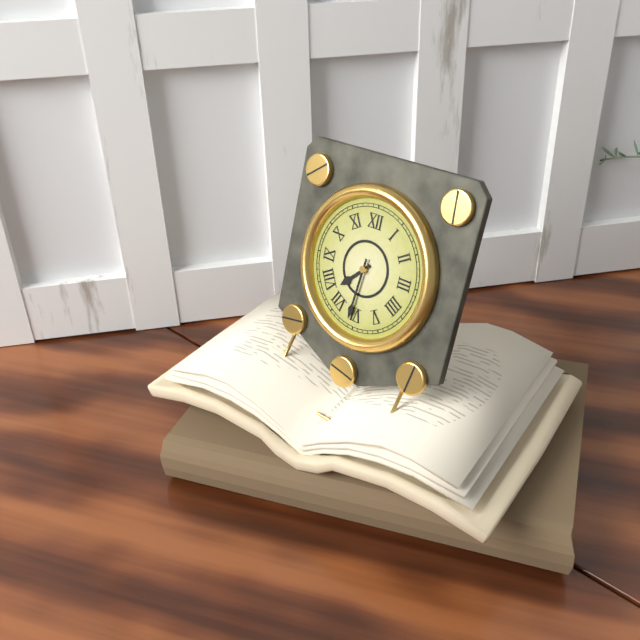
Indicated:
7.31
